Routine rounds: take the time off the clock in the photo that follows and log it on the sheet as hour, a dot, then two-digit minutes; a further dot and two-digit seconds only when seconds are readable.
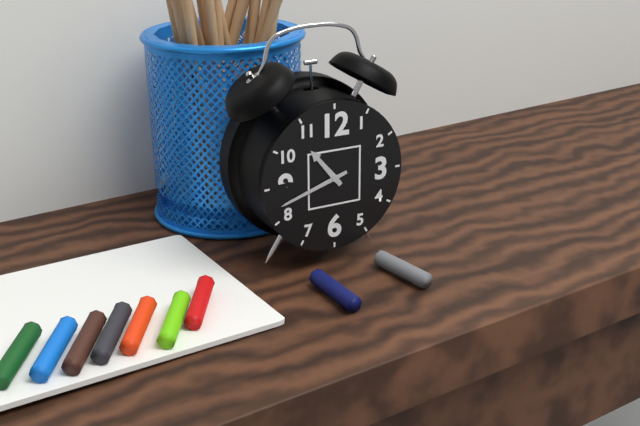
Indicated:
10.42
